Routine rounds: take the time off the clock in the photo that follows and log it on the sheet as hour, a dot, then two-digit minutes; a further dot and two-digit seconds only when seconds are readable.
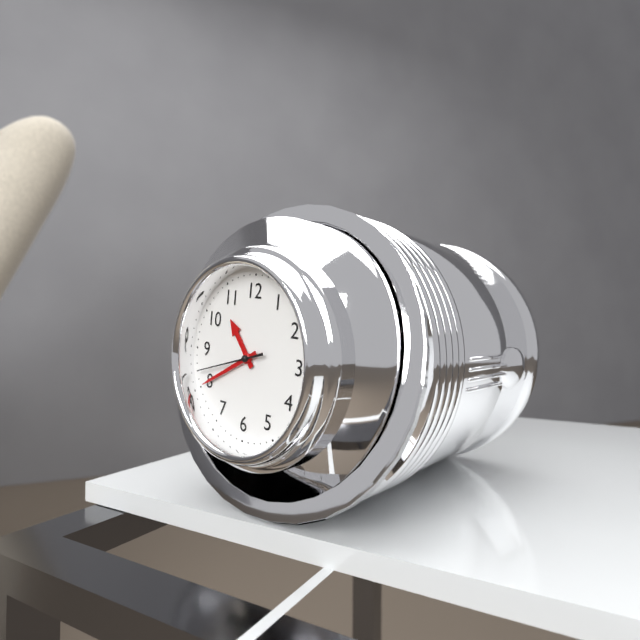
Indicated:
10.40.42
